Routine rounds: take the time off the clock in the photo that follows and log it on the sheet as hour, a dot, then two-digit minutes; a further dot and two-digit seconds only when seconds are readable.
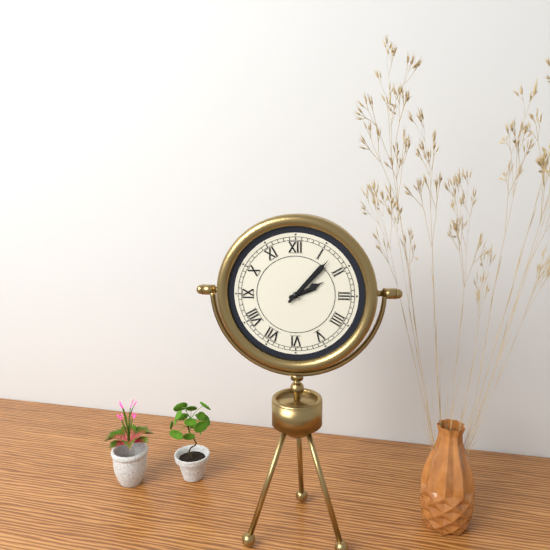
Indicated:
2.07
